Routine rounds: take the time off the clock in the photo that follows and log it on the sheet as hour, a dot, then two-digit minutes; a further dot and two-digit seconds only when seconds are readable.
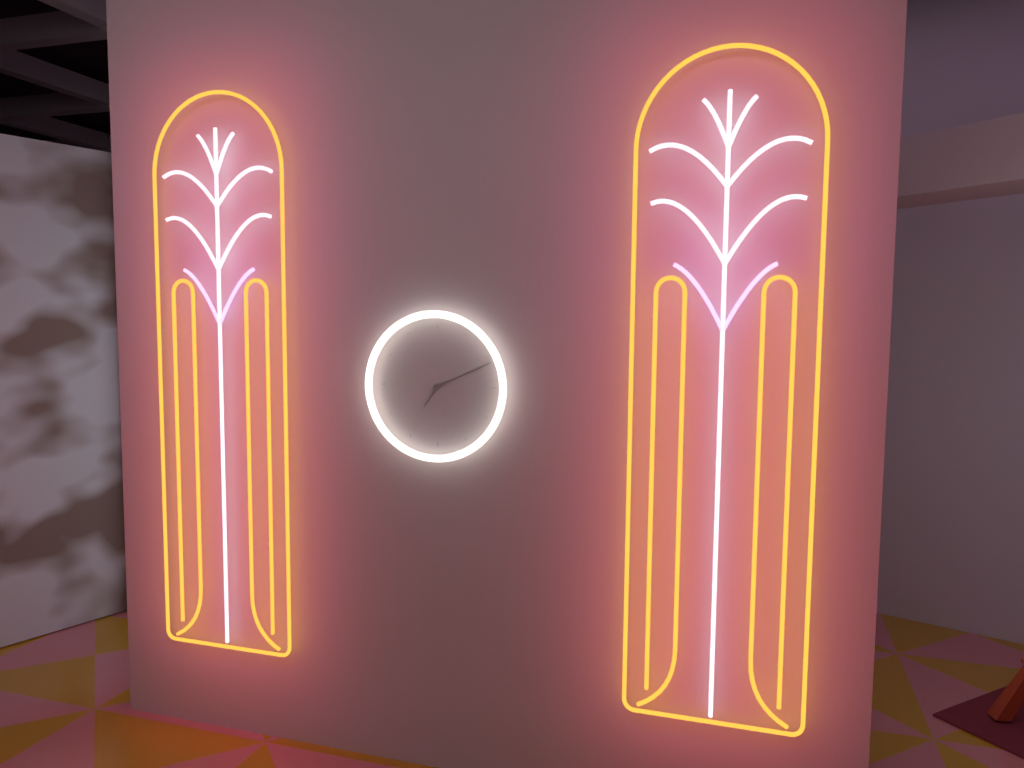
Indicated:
7.11
